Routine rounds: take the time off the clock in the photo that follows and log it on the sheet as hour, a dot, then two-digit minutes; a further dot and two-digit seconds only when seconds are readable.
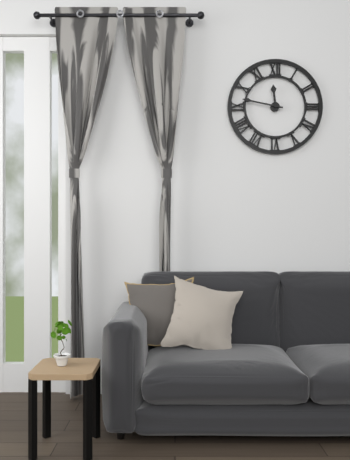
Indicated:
11.47
